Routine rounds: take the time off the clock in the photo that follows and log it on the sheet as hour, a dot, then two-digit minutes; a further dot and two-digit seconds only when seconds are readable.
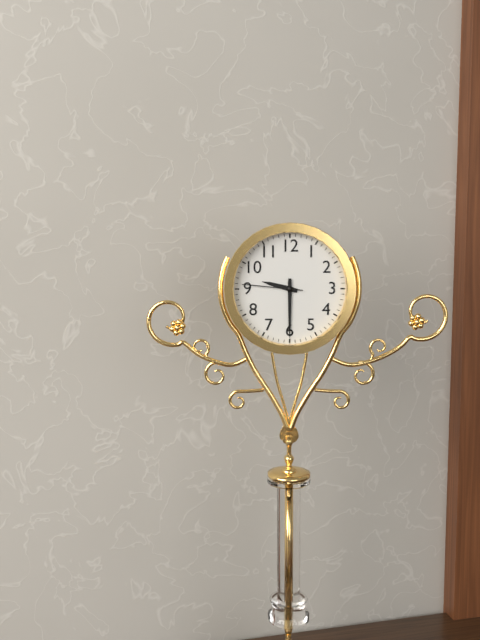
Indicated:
9.30.46
